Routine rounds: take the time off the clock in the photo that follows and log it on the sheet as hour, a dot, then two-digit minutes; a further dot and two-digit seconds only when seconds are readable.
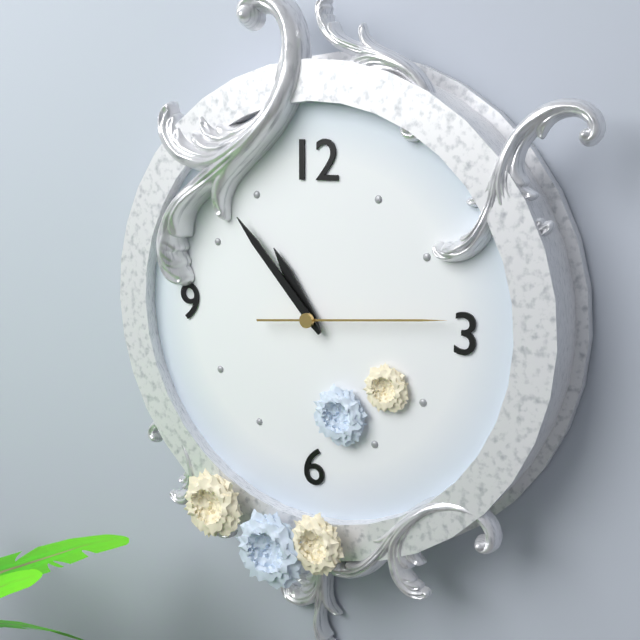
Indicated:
10.53.14
